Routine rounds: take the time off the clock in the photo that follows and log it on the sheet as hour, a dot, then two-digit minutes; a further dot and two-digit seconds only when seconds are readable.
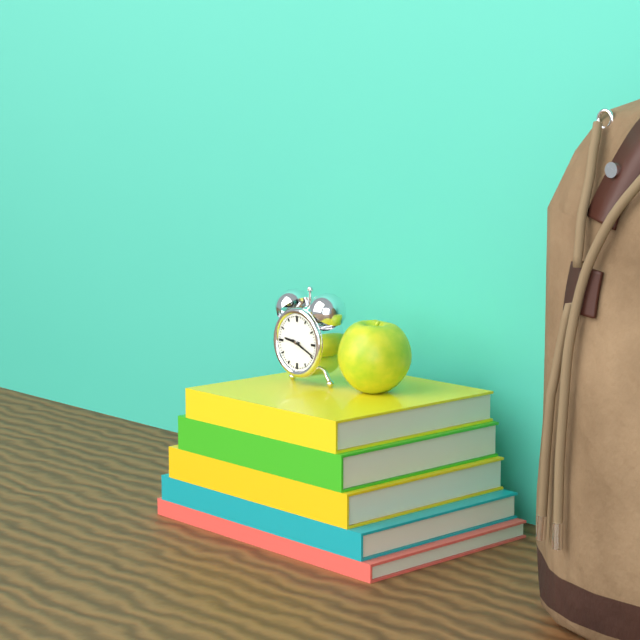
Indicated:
9.19
